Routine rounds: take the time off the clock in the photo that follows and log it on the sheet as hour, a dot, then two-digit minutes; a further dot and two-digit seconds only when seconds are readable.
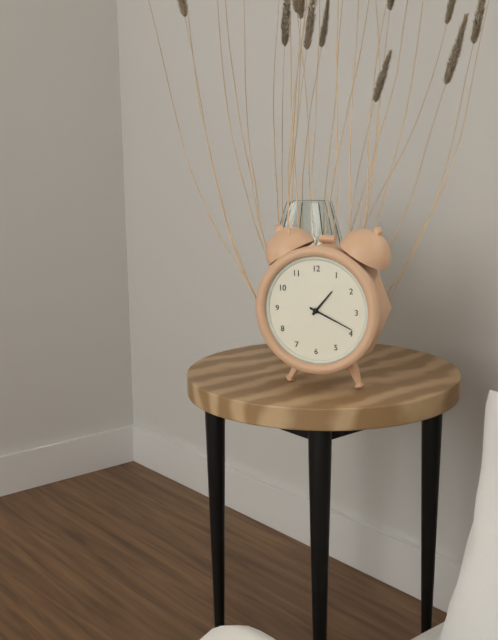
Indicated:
1.19
